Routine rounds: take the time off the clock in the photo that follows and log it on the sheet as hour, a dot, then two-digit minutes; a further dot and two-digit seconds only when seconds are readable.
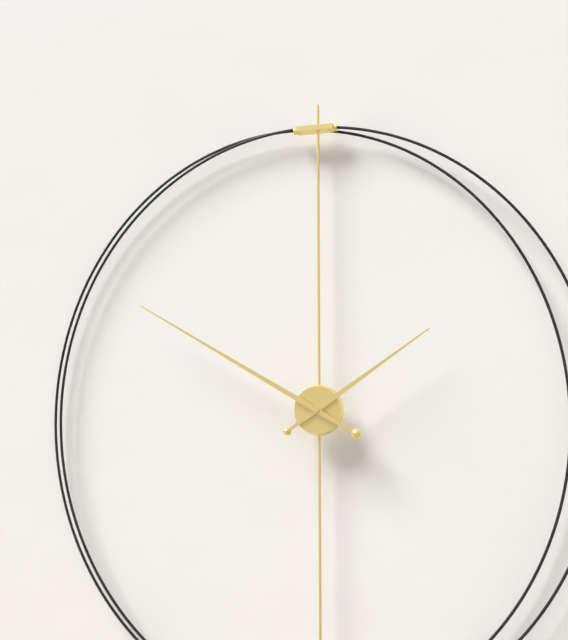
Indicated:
1.50
